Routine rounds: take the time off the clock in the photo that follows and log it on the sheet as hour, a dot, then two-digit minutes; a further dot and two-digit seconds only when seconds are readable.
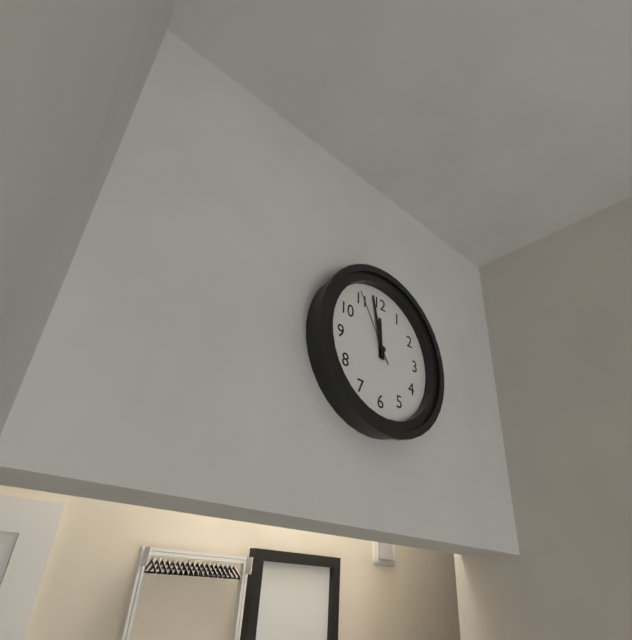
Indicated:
11.58.55
